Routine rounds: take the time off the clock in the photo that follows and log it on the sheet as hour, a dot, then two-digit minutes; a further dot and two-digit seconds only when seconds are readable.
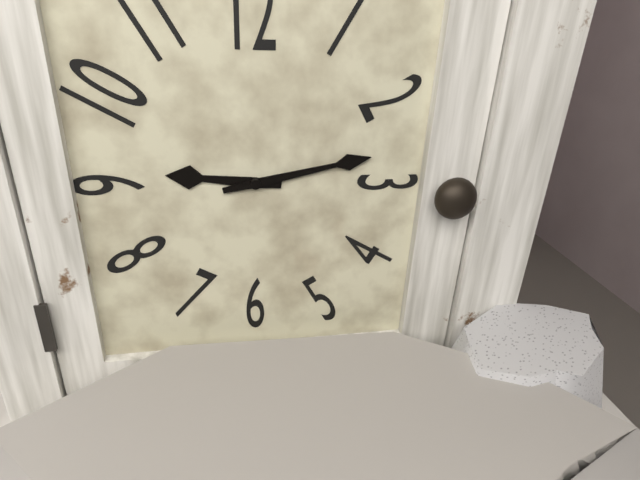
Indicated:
9.13
